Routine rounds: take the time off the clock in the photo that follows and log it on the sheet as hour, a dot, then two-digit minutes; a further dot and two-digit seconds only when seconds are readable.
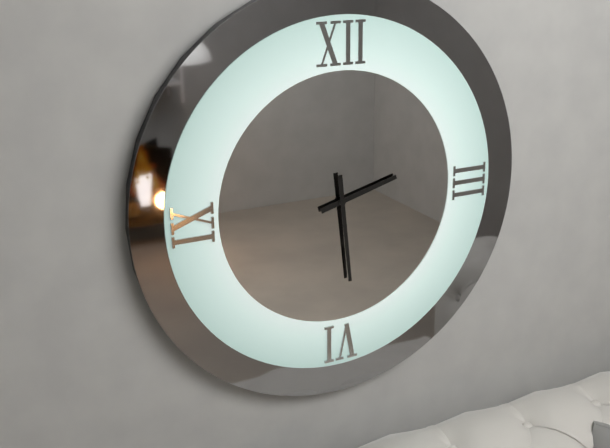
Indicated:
2.29
